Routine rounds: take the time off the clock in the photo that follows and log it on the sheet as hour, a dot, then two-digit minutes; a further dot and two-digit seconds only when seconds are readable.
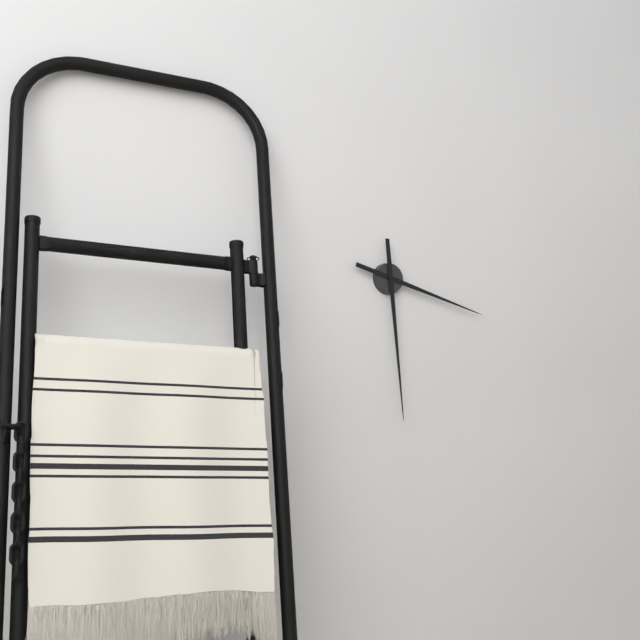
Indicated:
3.29
